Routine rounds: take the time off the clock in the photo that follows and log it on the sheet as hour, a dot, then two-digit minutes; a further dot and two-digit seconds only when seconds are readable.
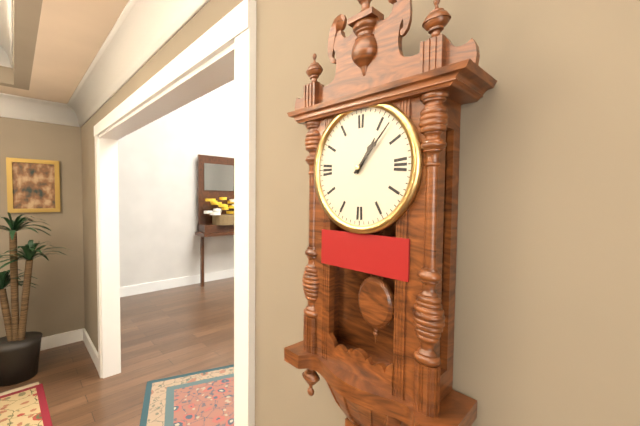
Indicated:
1.07
